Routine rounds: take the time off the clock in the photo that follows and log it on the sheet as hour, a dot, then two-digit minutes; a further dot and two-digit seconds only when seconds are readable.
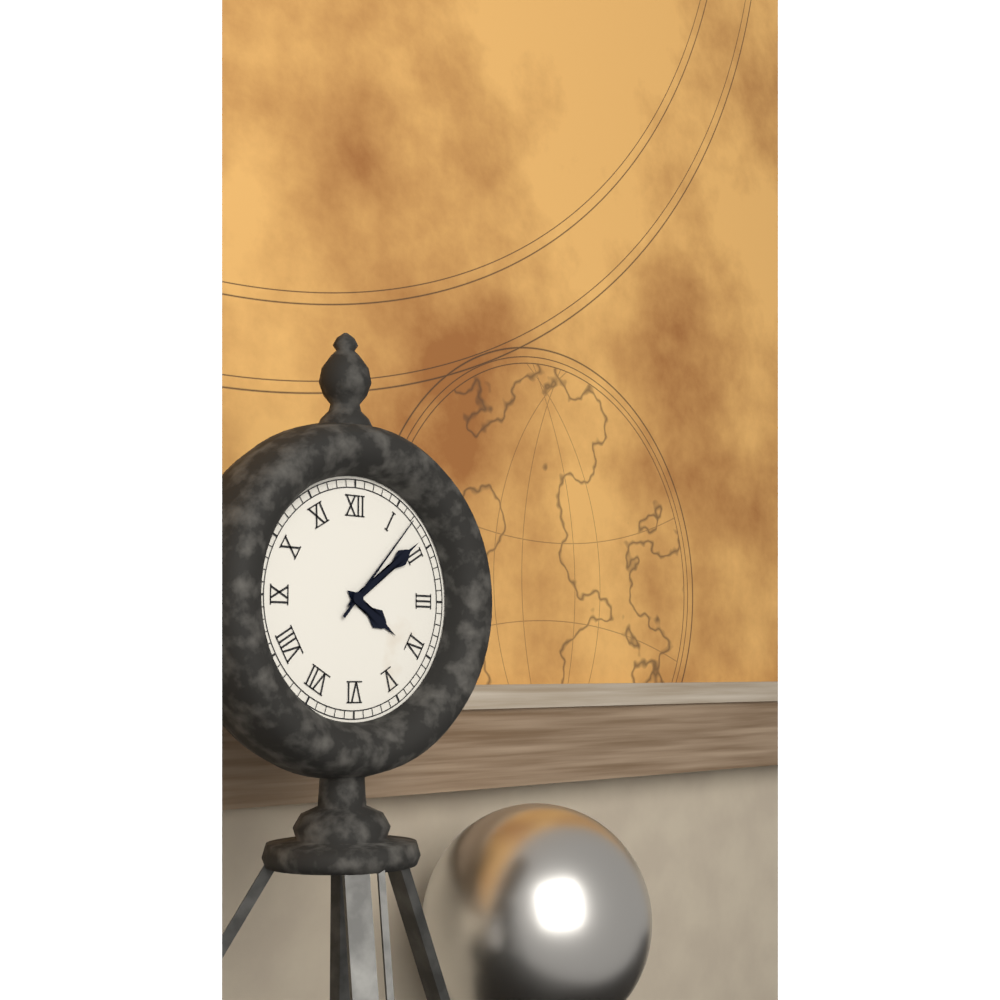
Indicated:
4.09.07
